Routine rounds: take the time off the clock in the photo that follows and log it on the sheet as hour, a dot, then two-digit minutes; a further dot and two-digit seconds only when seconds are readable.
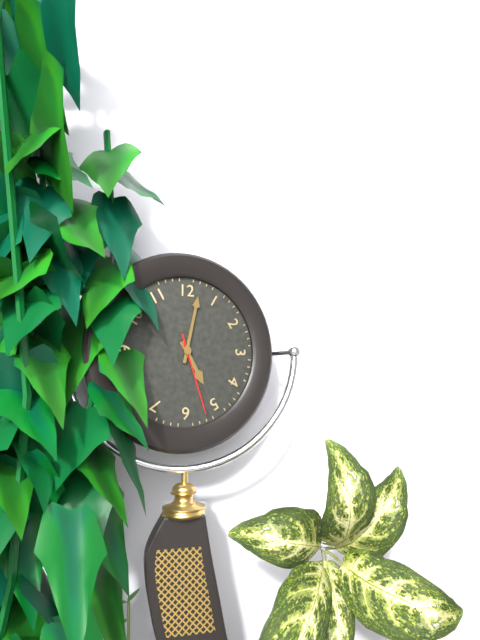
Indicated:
5.02.27
